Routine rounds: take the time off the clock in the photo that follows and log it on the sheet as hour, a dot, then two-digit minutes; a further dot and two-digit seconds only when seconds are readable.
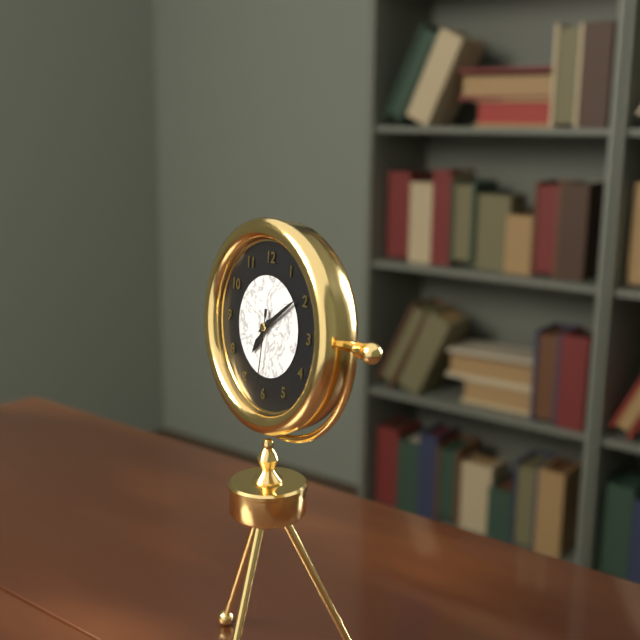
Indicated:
7.09.31
